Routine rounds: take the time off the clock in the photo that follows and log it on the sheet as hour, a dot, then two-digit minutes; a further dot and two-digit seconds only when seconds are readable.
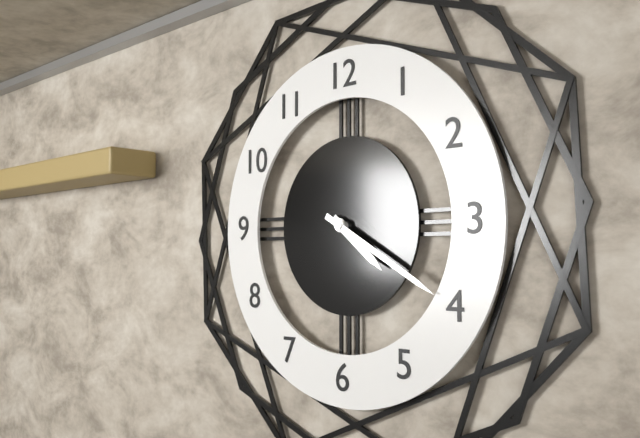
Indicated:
4.20
